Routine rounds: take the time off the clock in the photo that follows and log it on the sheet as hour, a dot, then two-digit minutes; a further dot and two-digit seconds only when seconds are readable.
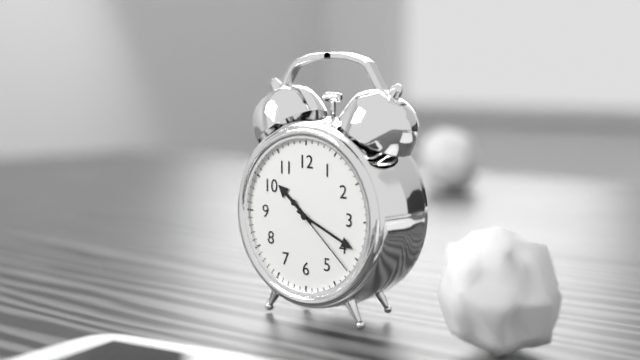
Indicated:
10.19.22
